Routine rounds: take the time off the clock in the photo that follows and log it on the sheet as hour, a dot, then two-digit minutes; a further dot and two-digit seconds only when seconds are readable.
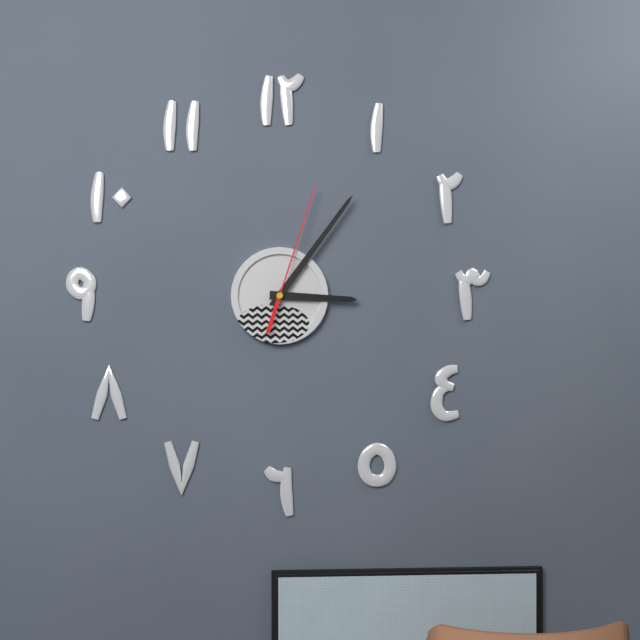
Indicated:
3.06.03
